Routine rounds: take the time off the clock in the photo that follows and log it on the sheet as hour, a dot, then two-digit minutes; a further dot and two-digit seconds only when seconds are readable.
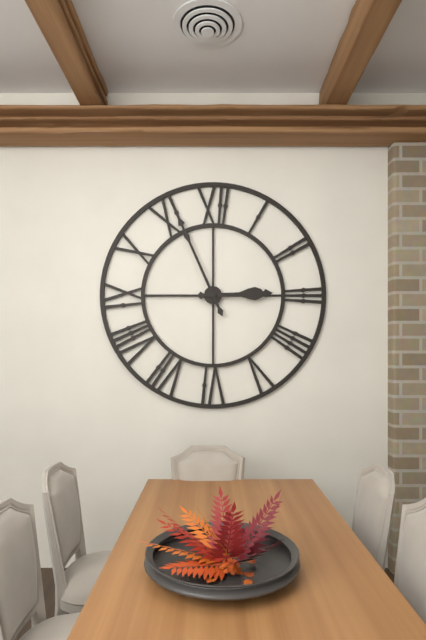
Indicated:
2.56
